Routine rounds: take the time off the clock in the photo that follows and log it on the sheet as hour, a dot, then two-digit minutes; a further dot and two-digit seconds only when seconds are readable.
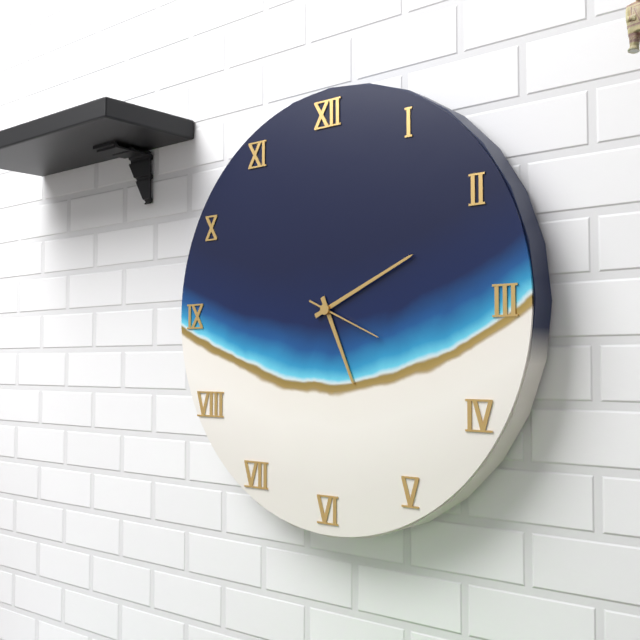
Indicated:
5.11.19
